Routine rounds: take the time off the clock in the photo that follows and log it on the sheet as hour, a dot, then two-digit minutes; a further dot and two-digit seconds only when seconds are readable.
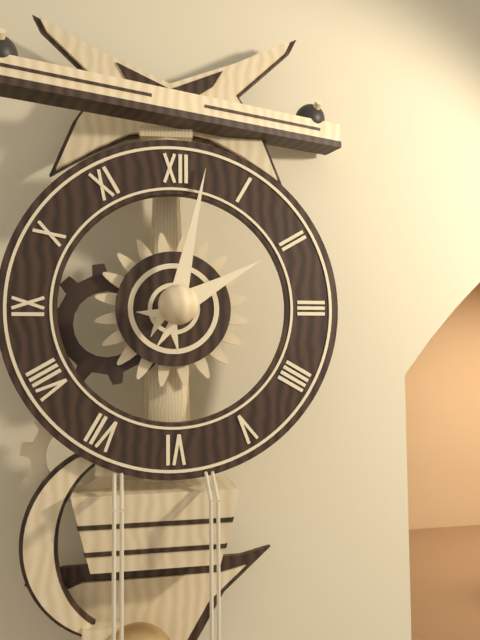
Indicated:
2.02
